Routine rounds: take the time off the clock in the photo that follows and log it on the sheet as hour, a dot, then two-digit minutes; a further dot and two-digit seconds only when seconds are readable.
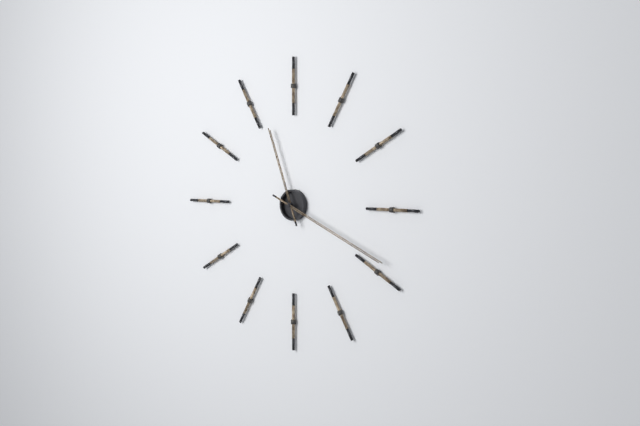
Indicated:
11.19
